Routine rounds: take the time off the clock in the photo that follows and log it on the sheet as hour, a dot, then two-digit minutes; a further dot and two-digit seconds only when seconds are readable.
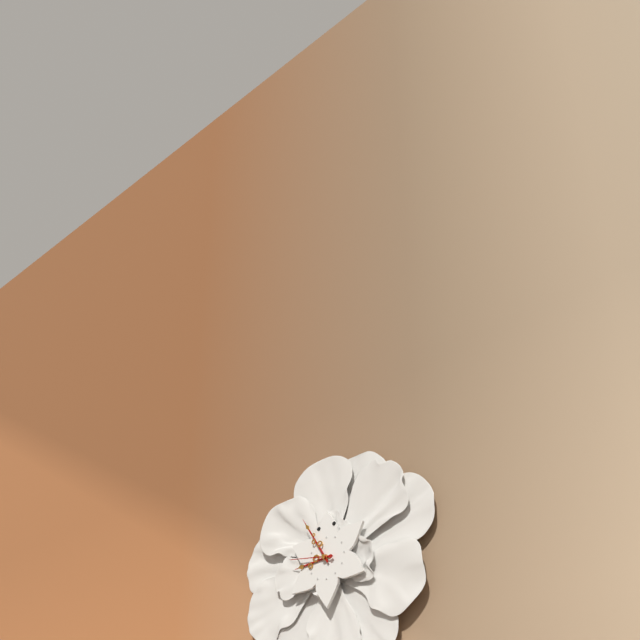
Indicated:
8.55
